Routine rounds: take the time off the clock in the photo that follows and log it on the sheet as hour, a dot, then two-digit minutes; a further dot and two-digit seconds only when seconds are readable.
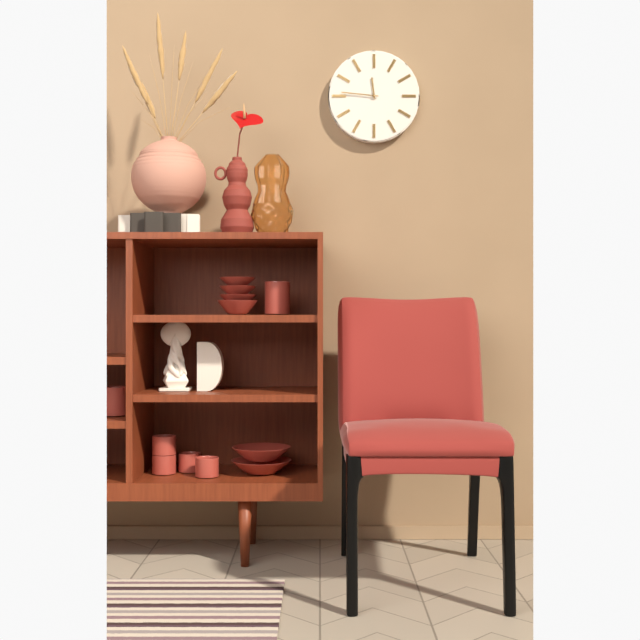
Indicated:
11.46
